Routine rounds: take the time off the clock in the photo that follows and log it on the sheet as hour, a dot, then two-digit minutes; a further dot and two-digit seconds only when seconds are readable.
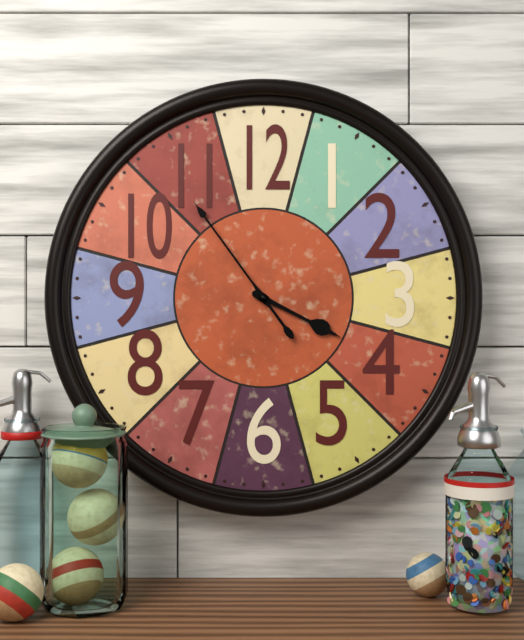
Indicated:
3.54
